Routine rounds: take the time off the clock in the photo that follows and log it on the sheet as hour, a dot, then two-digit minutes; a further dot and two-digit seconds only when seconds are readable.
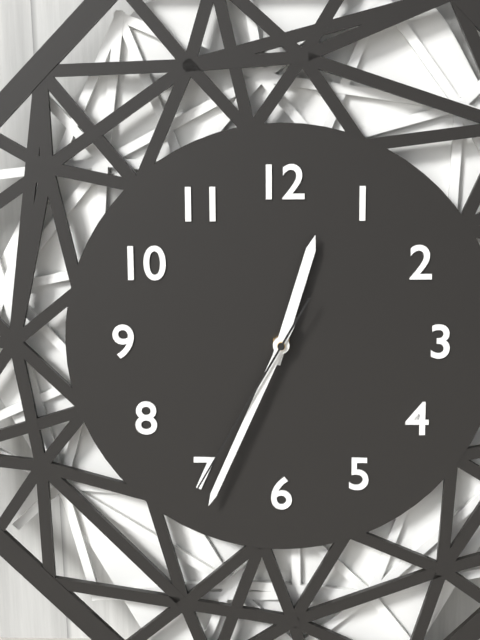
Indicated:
12.34.35
